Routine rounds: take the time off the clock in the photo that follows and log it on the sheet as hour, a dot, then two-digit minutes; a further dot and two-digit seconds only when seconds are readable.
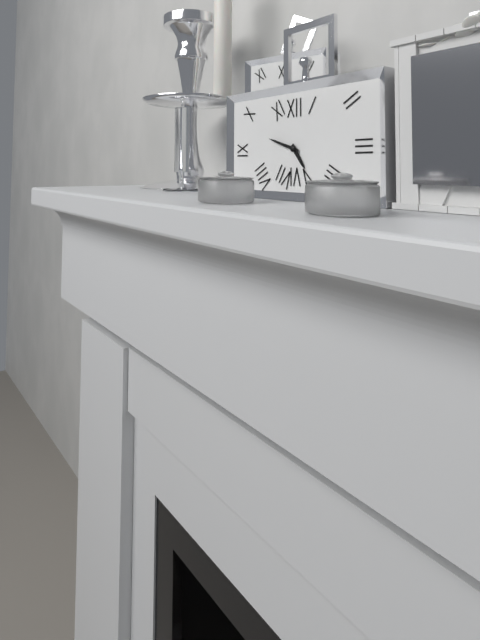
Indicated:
4.48
